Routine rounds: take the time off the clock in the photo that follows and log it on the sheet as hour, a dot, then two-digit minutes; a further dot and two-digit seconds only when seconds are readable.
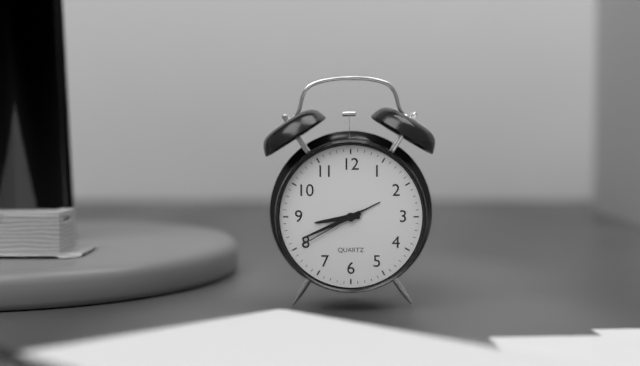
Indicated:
8.41.40
